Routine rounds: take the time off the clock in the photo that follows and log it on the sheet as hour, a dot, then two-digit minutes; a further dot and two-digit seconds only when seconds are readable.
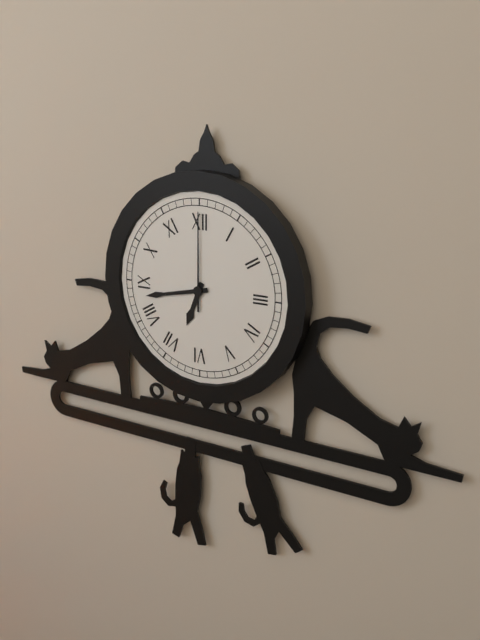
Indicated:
6.43.00
